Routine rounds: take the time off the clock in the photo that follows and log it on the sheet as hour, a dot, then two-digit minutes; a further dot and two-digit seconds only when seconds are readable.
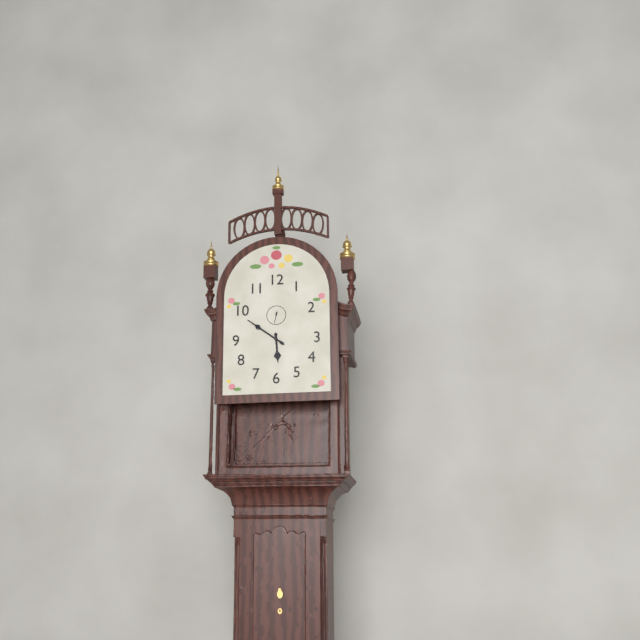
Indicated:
5.51
